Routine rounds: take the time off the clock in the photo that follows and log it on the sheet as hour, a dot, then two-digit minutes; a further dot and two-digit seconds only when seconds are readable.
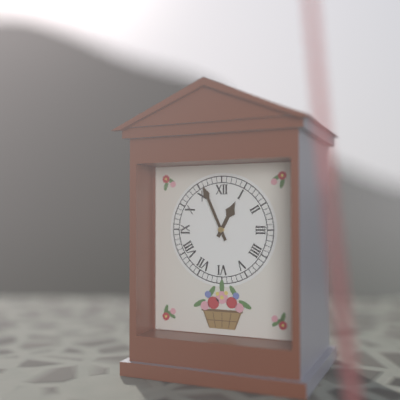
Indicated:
12.56
